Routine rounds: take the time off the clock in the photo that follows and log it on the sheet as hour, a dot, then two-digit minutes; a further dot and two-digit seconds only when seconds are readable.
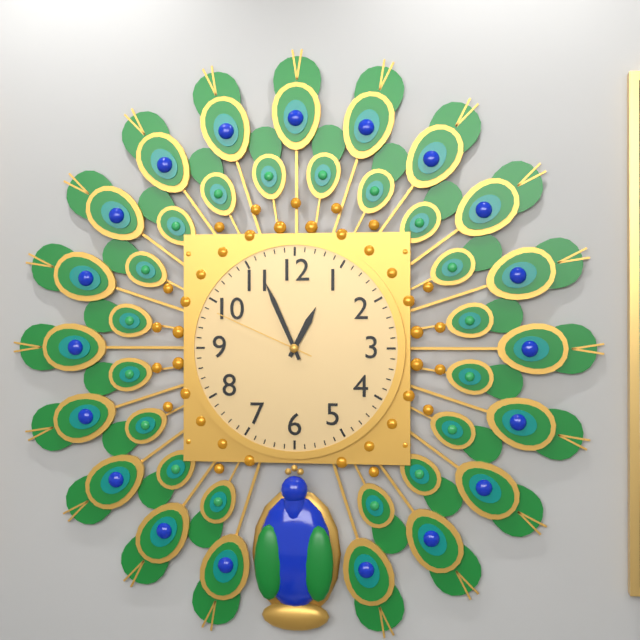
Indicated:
12.56.49
